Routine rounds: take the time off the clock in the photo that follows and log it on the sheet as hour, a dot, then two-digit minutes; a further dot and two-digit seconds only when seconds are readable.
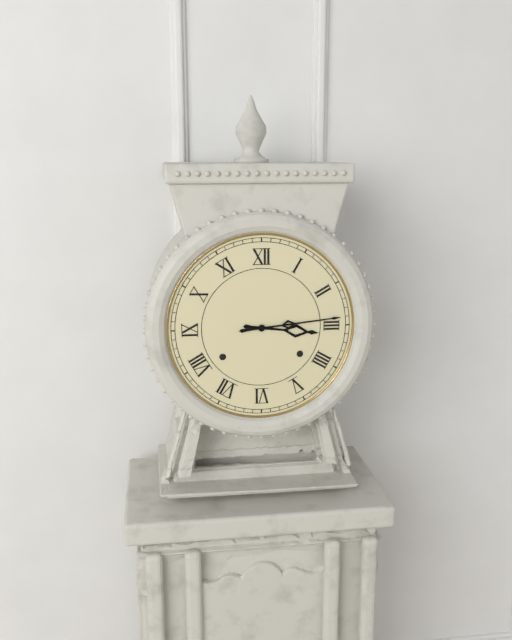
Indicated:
3.14
